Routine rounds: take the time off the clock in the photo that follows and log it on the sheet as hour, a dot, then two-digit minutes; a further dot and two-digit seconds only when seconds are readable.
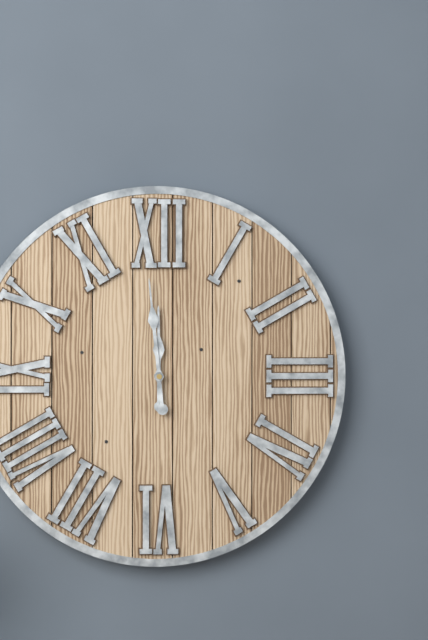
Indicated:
11.59
